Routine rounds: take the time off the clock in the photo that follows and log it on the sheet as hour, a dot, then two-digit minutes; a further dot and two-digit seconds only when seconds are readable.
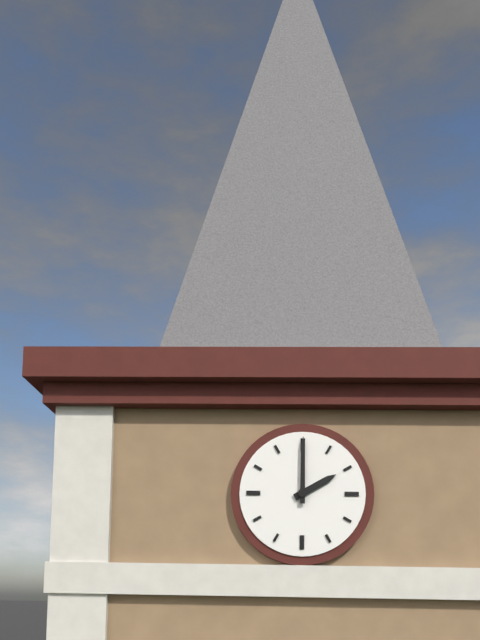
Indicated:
2.00
